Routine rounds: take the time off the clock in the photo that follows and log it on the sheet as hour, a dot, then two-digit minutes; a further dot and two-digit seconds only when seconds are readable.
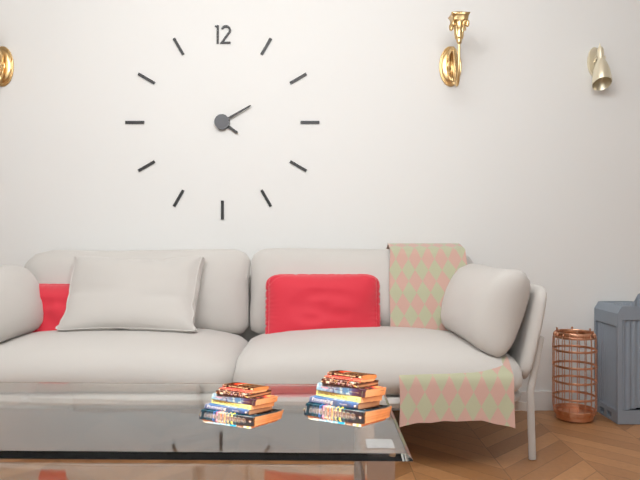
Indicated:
4.10
